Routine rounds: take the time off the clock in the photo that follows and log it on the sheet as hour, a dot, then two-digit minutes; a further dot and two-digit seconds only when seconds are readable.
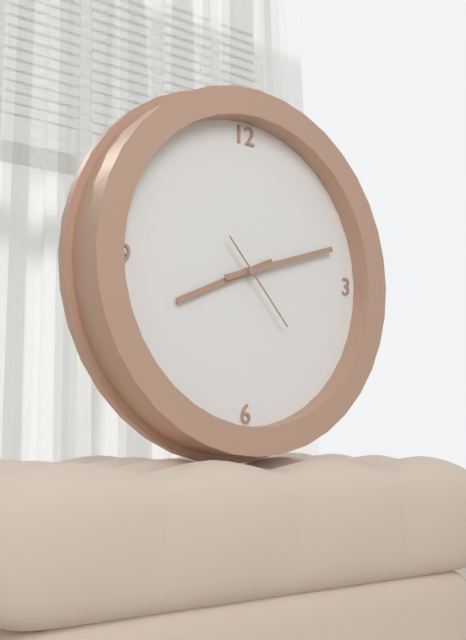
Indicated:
8.12.23
